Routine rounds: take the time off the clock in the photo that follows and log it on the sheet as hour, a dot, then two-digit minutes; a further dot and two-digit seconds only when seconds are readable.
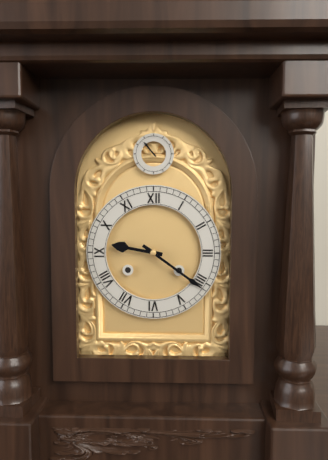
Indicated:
9.21
